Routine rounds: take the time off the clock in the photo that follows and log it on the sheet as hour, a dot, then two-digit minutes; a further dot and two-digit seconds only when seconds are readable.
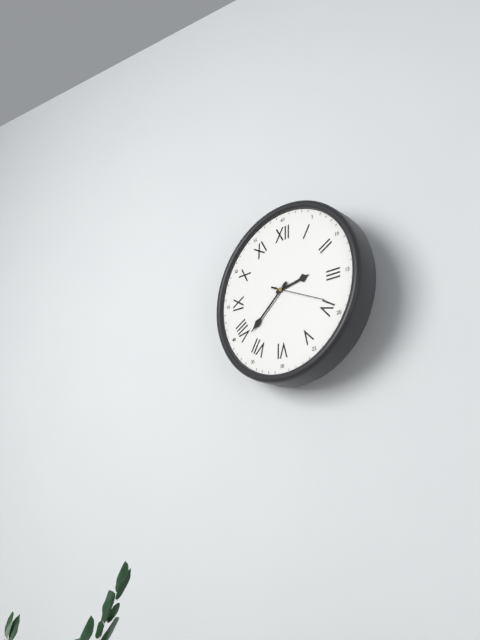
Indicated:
2.38.19
